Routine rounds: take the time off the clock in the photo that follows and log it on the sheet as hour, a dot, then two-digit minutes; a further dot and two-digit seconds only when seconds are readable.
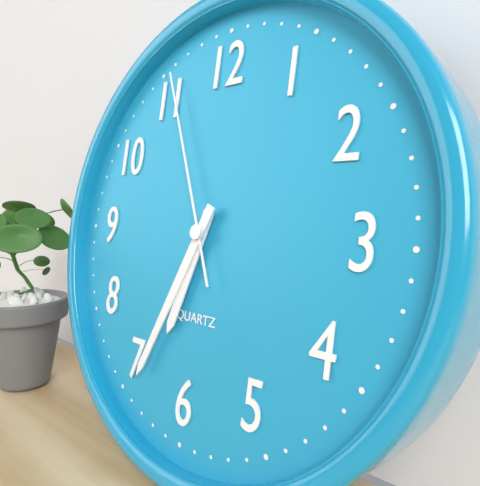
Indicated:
6.34.56
